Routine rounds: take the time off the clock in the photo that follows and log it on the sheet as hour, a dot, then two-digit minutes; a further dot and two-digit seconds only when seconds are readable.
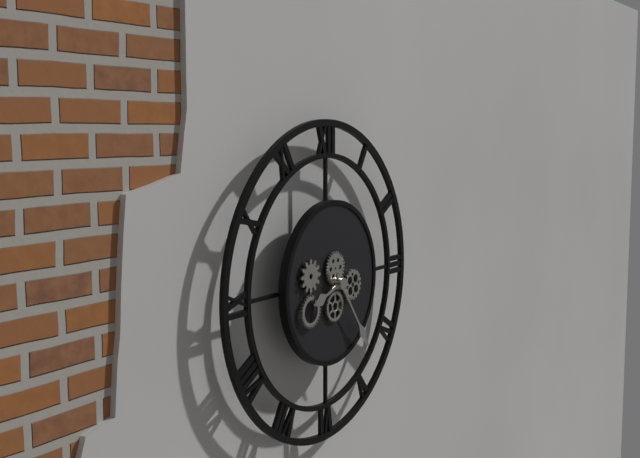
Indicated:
8.24
